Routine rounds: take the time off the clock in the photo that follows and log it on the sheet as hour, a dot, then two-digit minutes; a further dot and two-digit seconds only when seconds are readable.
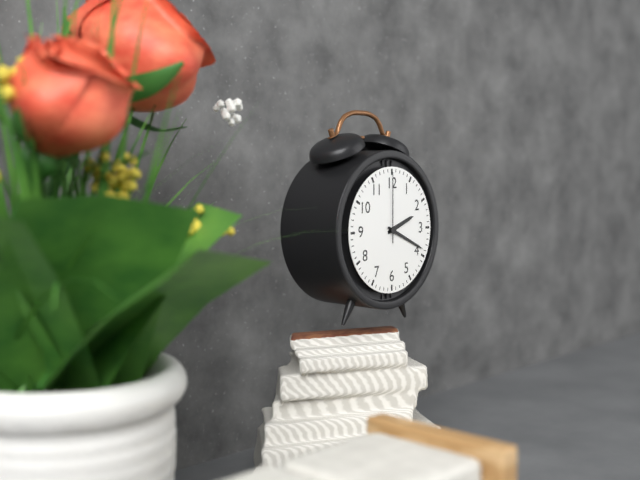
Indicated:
2.19.00
